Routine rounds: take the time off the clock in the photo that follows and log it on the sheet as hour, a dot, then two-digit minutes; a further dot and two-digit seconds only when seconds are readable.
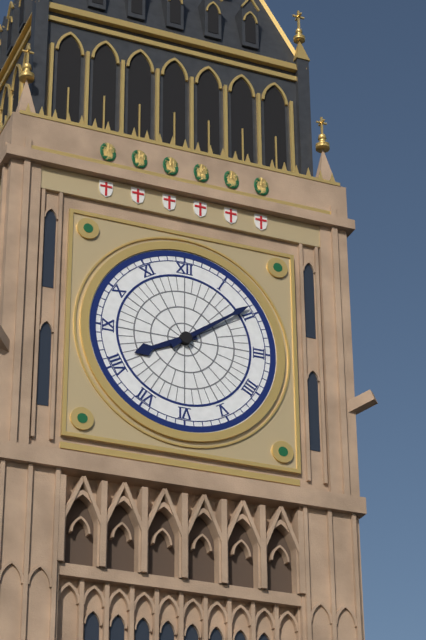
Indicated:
8.09
